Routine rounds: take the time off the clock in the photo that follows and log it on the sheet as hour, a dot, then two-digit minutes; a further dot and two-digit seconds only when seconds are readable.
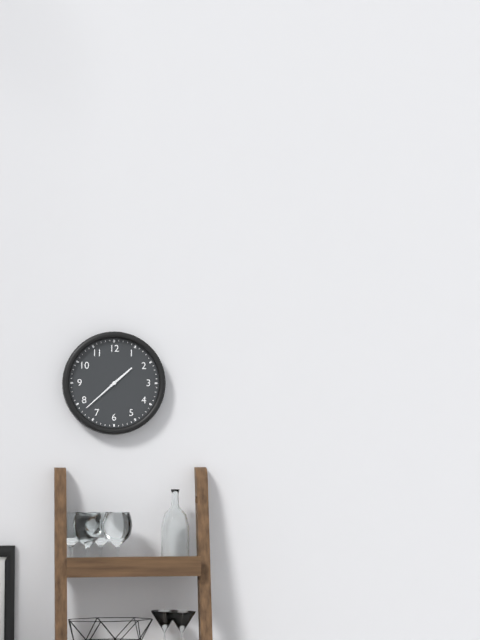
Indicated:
1.38
